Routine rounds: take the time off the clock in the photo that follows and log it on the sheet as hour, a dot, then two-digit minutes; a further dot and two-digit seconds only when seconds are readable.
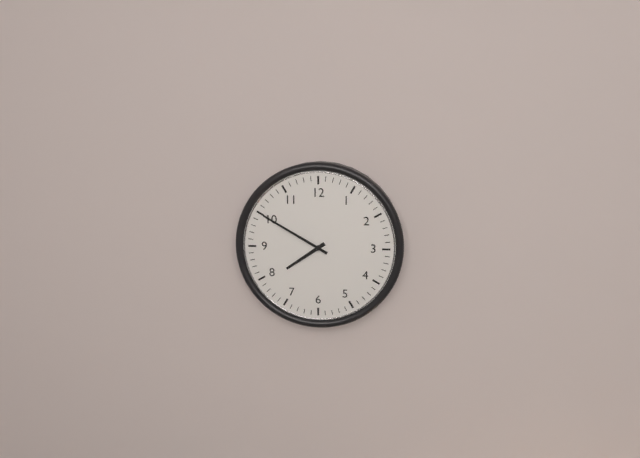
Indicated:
7.50
